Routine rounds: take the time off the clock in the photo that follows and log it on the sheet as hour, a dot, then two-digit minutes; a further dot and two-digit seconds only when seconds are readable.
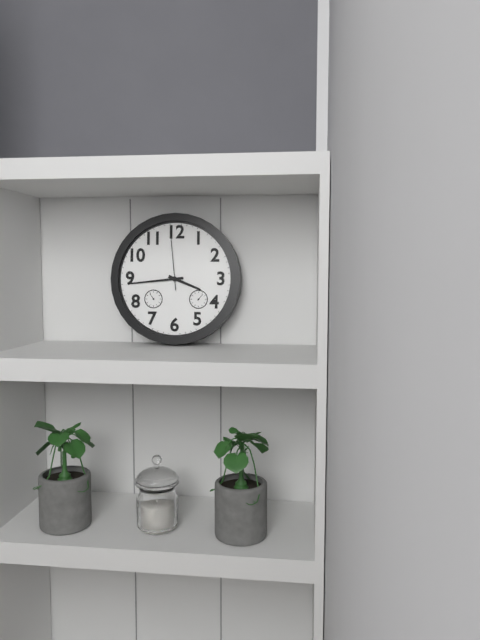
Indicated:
3.44.59
